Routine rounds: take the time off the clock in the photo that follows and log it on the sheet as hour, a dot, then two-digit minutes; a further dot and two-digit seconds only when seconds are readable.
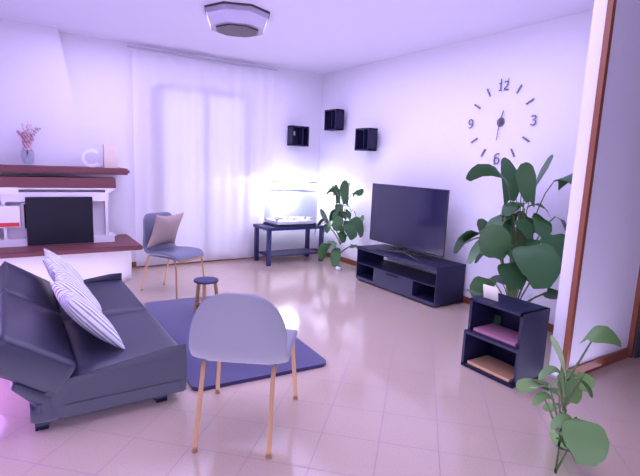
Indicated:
12.31
